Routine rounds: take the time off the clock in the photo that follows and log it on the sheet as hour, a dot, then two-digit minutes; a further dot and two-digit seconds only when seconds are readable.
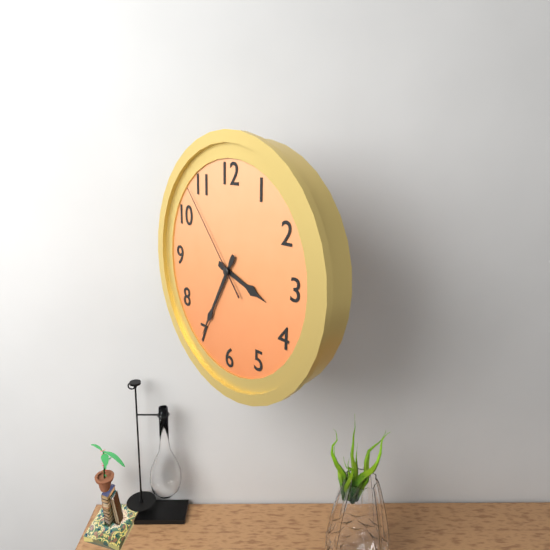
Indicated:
3.35.53
